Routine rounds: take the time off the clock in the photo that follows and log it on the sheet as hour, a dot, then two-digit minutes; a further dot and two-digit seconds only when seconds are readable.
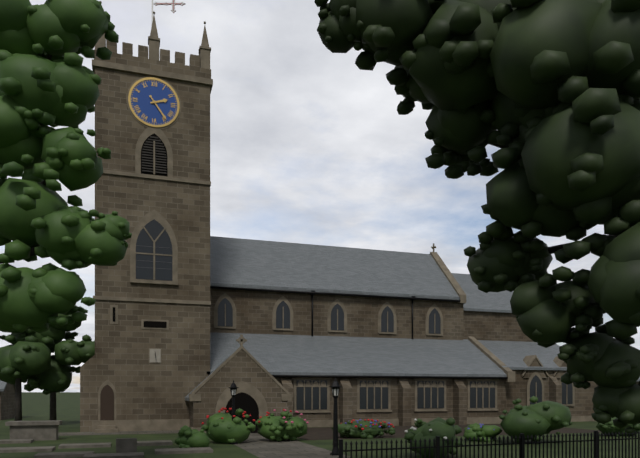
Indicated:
2.24
